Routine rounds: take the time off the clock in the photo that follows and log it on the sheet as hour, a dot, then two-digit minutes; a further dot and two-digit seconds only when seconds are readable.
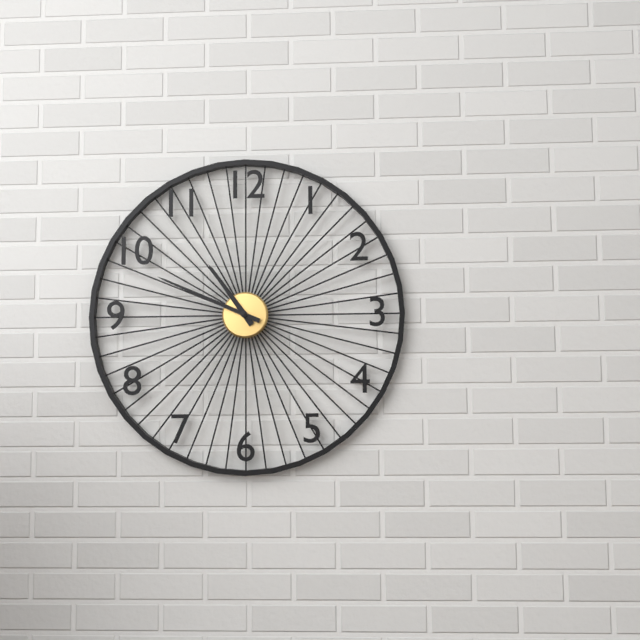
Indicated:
10.49
